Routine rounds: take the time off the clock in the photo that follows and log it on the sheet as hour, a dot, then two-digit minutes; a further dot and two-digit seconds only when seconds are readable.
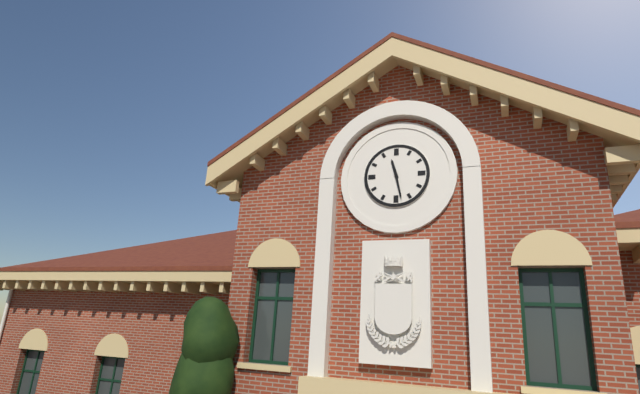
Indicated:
11.28
